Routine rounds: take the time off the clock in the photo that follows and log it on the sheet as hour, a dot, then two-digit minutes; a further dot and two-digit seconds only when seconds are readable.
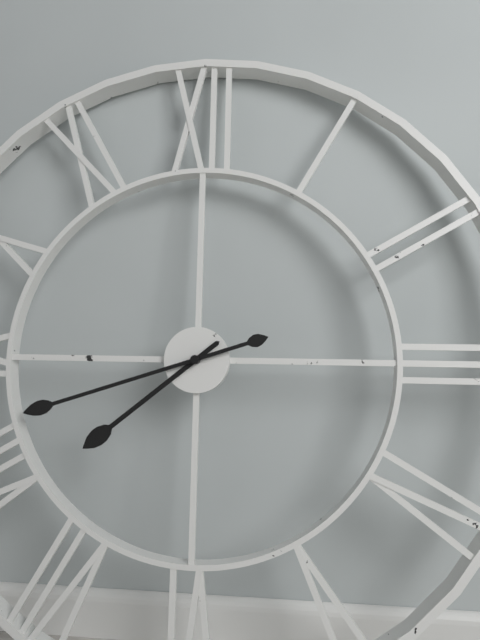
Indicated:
7.42
